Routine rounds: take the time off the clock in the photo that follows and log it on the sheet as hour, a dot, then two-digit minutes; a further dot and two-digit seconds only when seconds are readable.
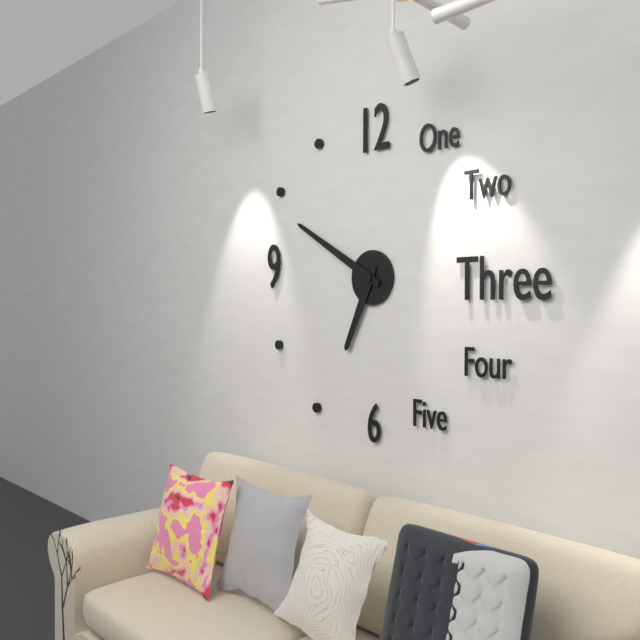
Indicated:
6.50
